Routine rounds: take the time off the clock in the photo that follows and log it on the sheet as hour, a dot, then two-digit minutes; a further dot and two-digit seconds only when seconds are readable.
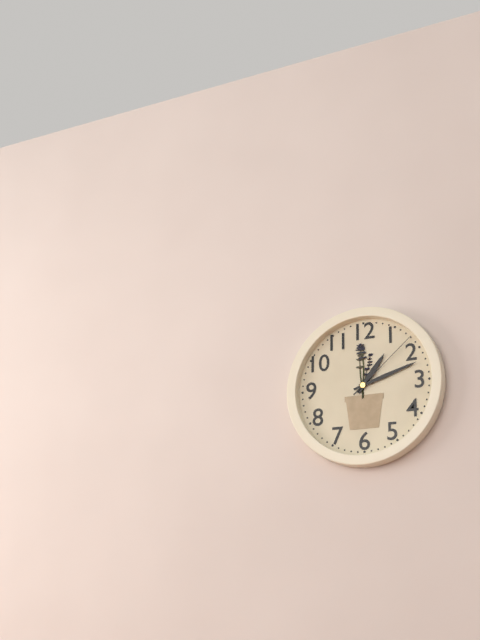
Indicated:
1.12.08
